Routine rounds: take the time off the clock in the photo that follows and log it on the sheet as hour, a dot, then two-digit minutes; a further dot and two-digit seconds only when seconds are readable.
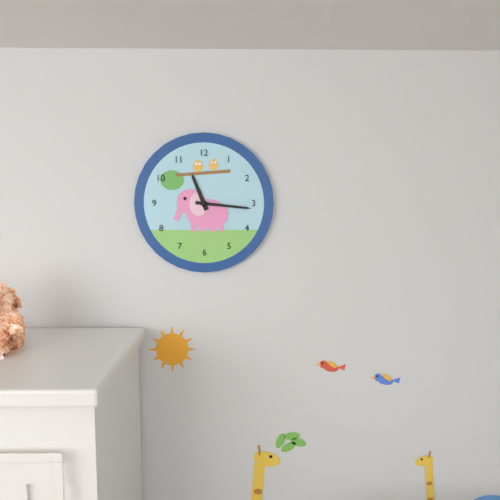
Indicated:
11.16
